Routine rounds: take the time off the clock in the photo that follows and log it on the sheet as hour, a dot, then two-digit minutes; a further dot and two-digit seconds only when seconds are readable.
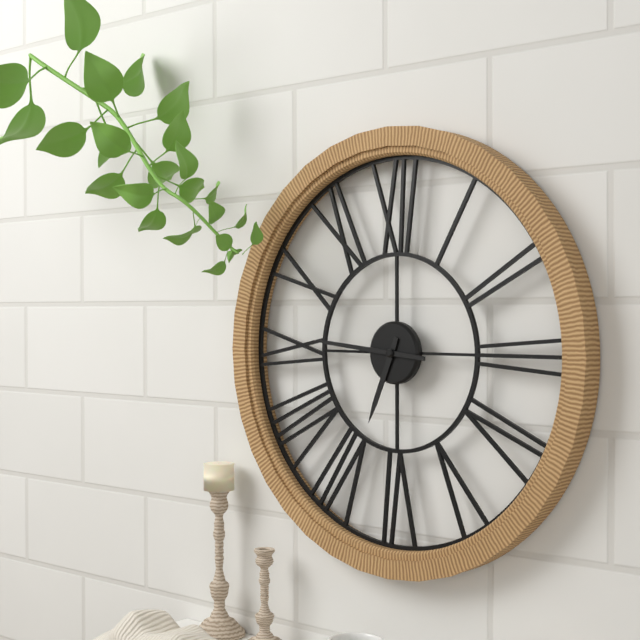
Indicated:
6.46
